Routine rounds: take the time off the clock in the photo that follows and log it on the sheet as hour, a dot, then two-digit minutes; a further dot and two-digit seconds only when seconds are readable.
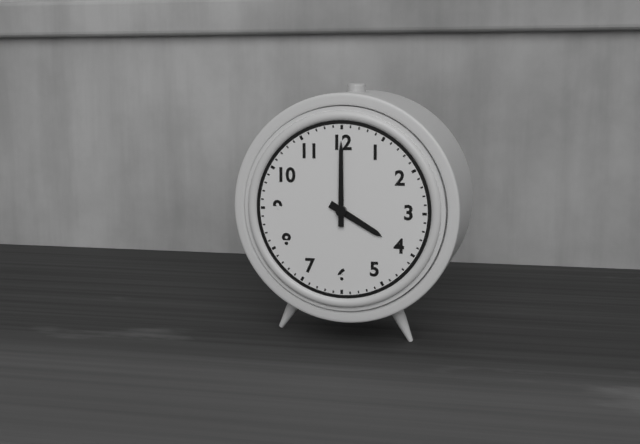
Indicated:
4.00
